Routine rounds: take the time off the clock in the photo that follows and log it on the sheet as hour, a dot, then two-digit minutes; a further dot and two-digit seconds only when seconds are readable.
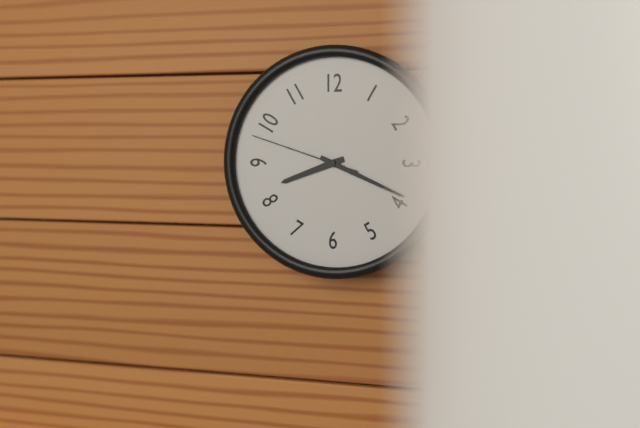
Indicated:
8.19.48
